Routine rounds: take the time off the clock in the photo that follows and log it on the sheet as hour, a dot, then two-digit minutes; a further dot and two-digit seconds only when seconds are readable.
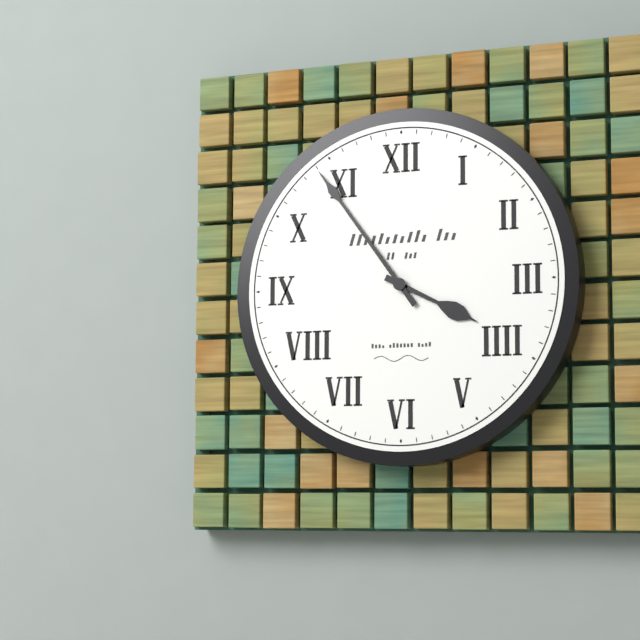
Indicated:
3.54
